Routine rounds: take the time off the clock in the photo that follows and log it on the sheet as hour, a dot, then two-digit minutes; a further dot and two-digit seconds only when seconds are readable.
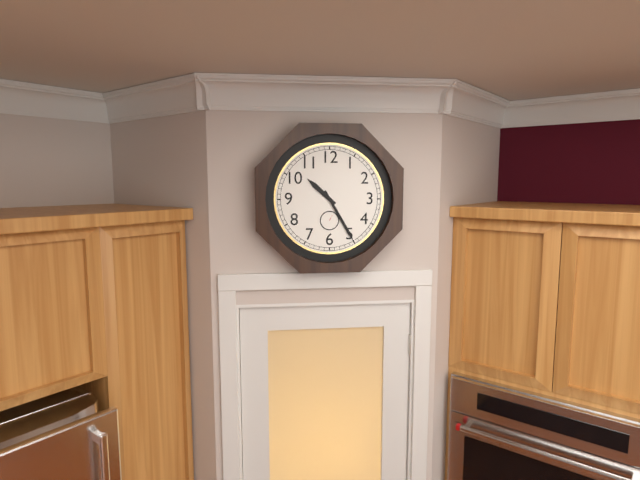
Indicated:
10.25
